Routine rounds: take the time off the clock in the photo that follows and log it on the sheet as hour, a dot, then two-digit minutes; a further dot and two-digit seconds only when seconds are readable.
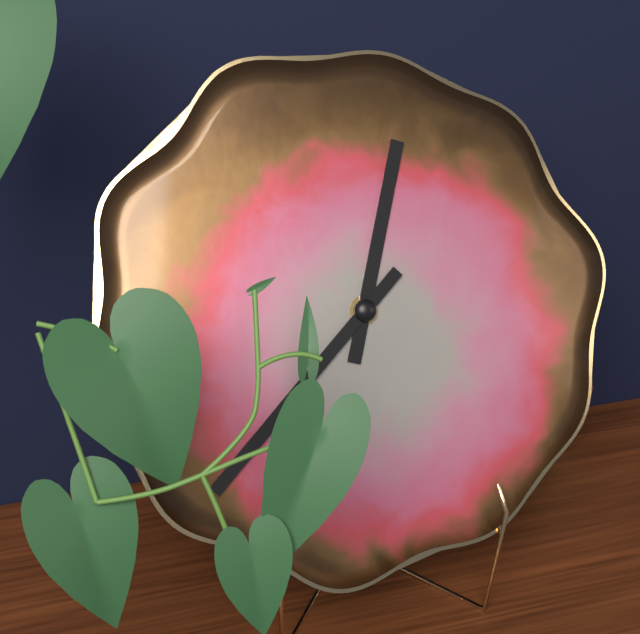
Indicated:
12.38
